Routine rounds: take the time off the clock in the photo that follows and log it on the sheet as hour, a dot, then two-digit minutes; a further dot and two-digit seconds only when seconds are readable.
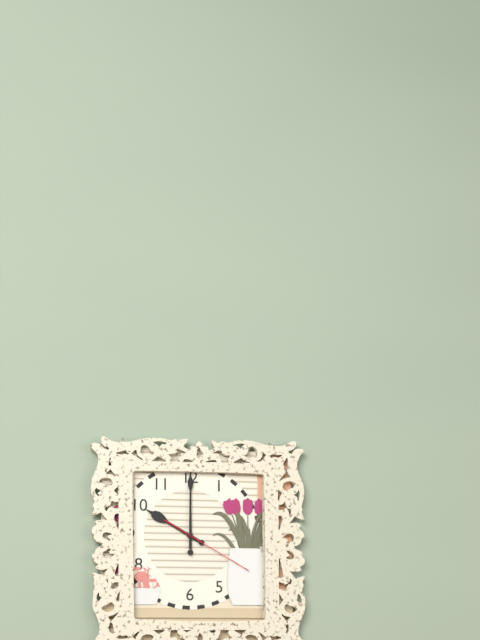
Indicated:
10.00.20
